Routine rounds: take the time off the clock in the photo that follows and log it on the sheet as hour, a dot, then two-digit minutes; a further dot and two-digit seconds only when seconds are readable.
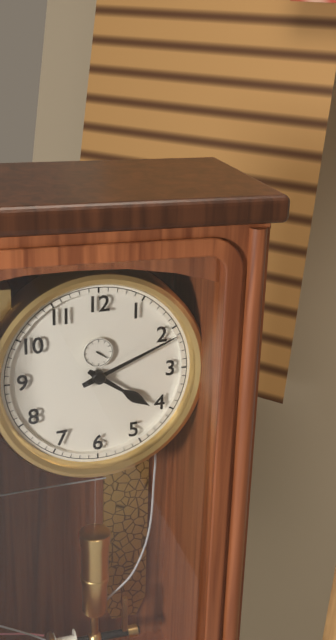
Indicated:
4.11
